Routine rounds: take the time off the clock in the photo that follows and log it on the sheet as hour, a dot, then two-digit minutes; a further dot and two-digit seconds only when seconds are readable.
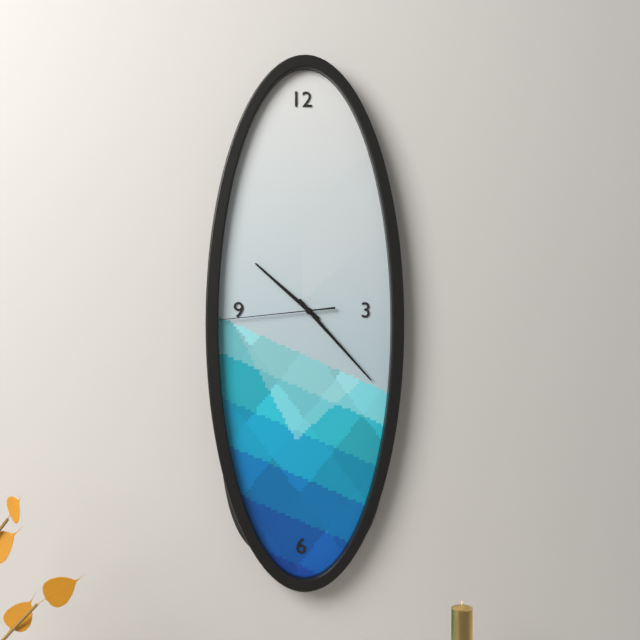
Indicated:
10.23.44
